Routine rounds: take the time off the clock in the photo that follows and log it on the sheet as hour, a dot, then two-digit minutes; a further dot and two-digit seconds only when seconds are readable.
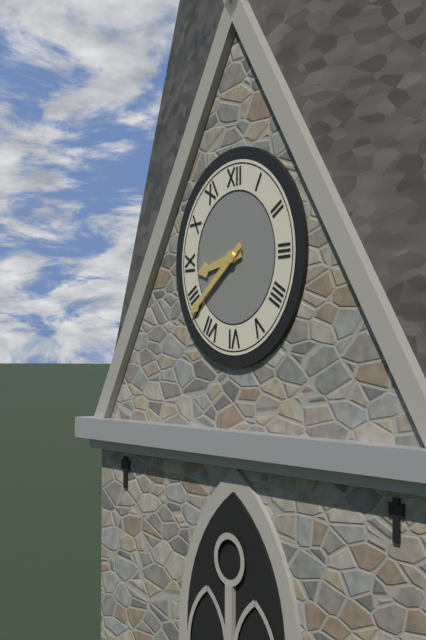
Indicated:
8.39
